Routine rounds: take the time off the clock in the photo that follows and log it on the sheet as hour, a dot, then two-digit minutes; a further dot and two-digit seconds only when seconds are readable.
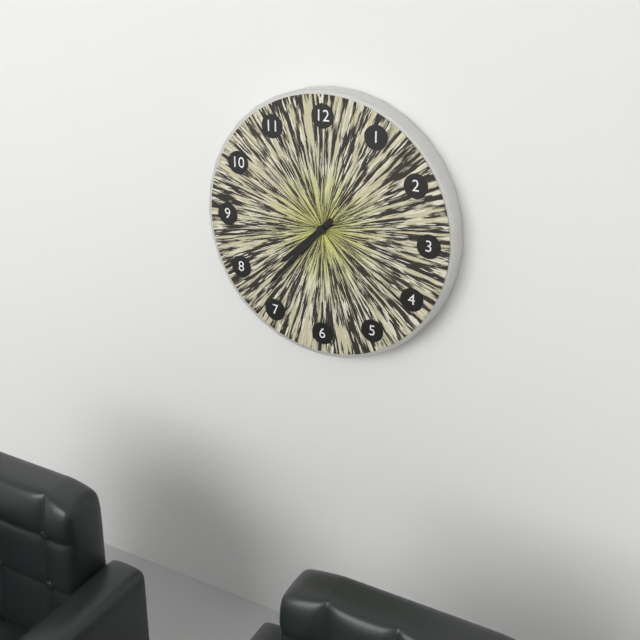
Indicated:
7.37
